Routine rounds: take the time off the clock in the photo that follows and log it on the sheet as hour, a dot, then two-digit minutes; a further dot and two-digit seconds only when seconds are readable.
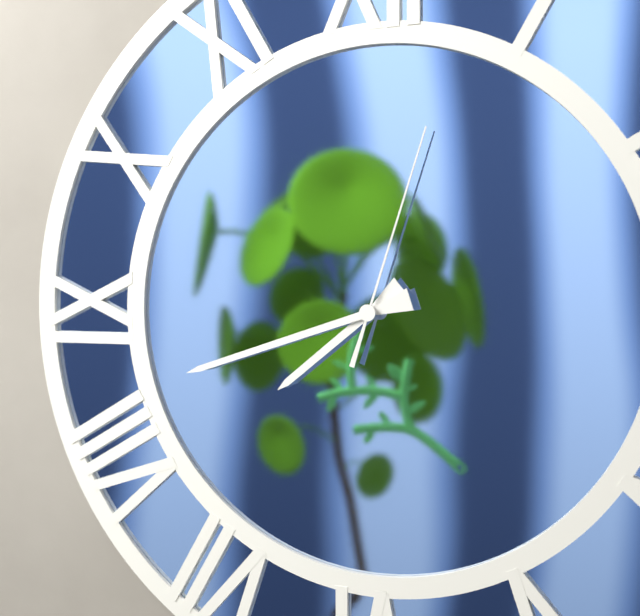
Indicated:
7.42.03
